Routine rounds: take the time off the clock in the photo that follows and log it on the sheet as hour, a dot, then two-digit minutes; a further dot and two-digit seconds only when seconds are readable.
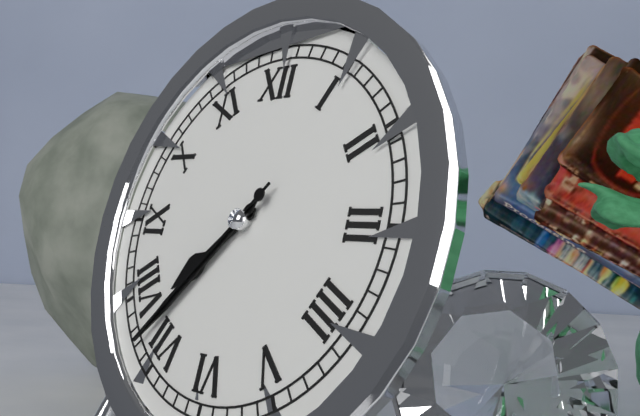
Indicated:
7.37.37
